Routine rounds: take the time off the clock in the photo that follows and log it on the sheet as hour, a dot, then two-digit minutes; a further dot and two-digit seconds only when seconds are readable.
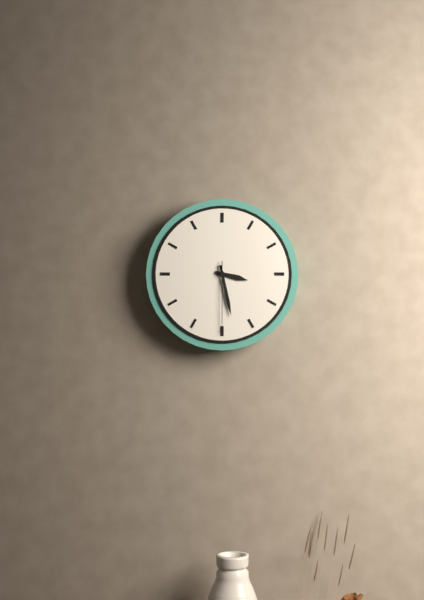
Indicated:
3.28.30
